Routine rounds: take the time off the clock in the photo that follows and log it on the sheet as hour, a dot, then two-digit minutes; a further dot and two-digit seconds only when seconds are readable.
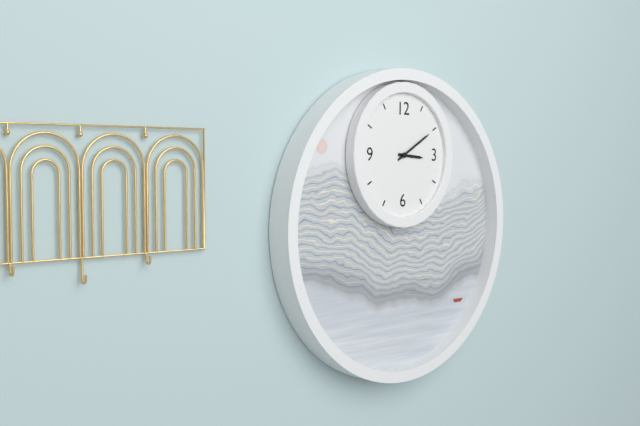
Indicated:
3.10
